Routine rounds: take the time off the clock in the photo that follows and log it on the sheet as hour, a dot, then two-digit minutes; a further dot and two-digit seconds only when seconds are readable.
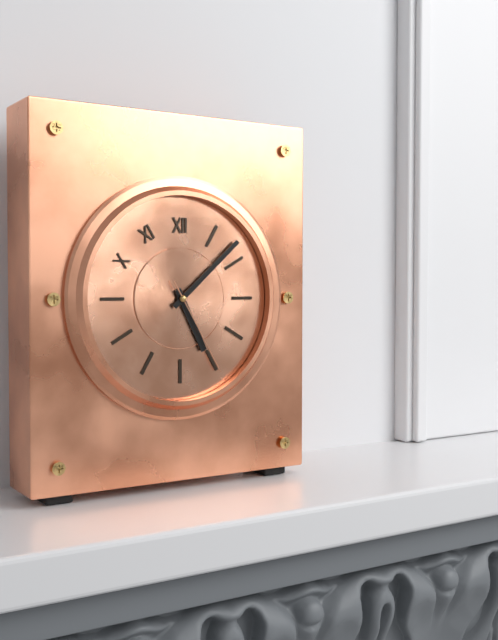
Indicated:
5.08.25
